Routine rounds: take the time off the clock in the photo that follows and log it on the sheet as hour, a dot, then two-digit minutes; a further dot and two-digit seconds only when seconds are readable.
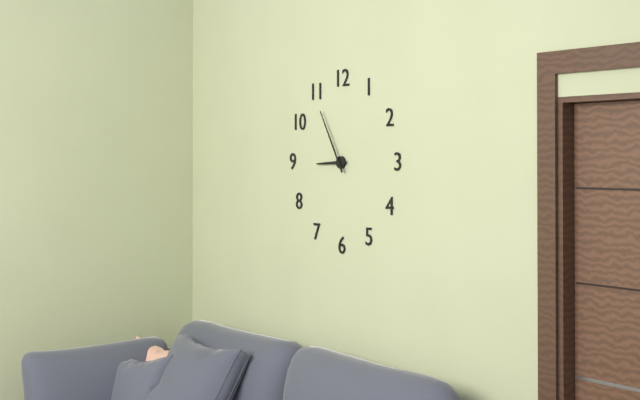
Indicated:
8.55
